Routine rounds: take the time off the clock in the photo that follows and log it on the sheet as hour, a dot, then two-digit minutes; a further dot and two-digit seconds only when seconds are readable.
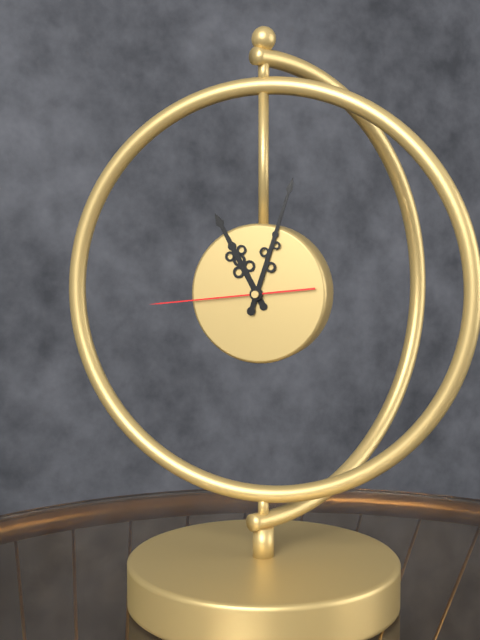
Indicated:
11.03.44
